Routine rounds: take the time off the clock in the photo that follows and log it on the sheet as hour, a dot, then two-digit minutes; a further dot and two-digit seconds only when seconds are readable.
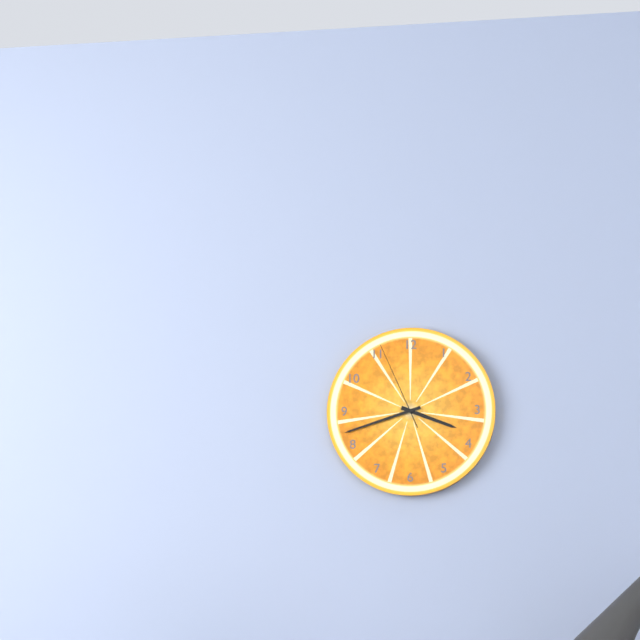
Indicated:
3.42.56
